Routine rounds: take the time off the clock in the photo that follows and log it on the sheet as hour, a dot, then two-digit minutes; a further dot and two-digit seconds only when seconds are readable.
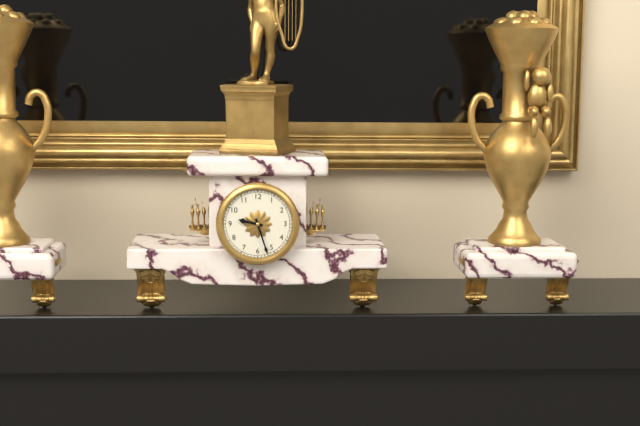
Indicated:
9.27
